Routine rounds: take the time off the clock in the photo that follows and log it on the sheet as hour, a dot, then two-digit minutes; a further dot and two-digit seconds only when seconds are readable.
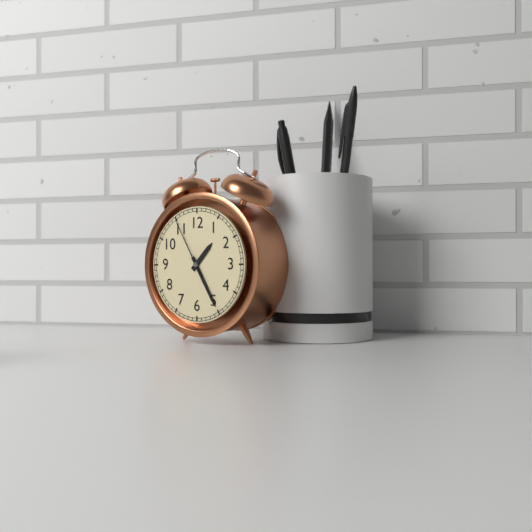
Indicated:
1.25.55
